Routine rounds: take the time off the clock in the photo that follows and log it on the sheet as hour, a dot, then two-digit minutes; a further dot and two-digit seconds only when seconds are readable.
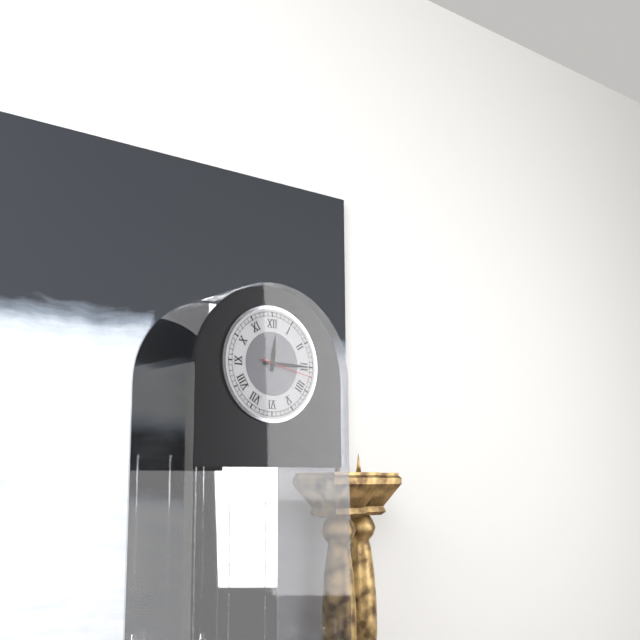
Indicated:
12.15.17
